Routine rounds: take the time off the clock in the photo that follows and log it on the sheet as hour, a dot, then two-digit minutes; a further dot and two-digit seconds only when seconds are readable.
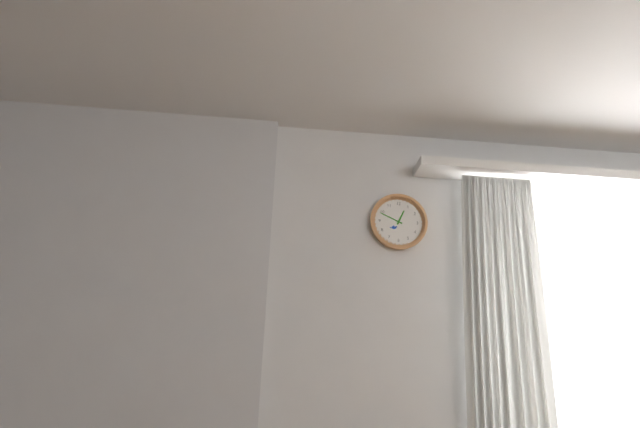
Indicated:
12.49
